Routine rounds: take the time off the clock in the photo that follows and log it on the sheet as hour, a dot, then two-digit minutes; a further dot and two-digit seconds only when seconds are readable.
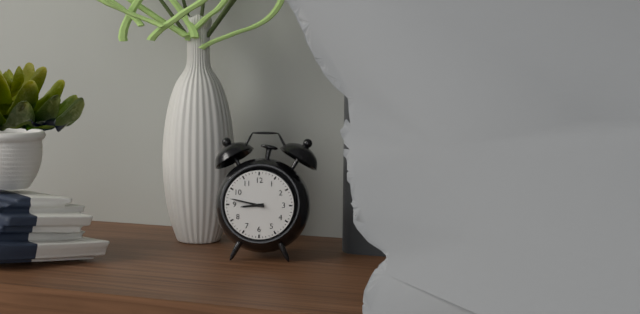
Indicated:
8.47
